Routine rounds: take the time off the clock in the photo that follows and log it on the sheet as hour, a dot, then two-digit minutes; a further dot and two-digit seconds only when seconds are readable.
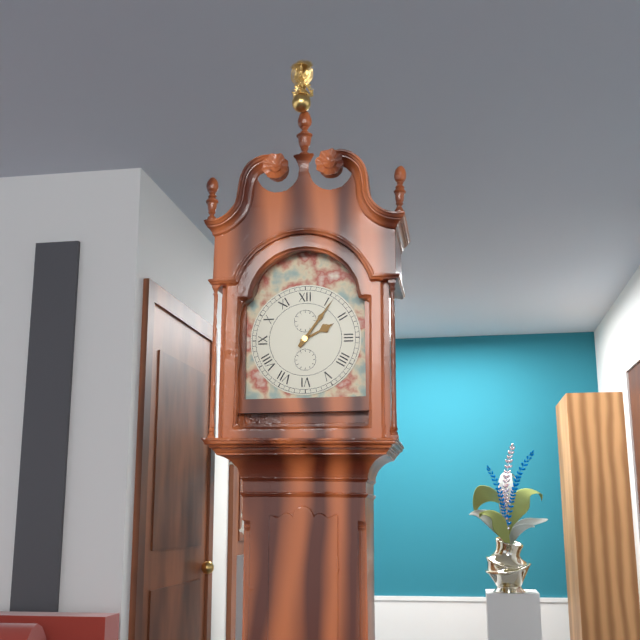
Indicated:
2.06
